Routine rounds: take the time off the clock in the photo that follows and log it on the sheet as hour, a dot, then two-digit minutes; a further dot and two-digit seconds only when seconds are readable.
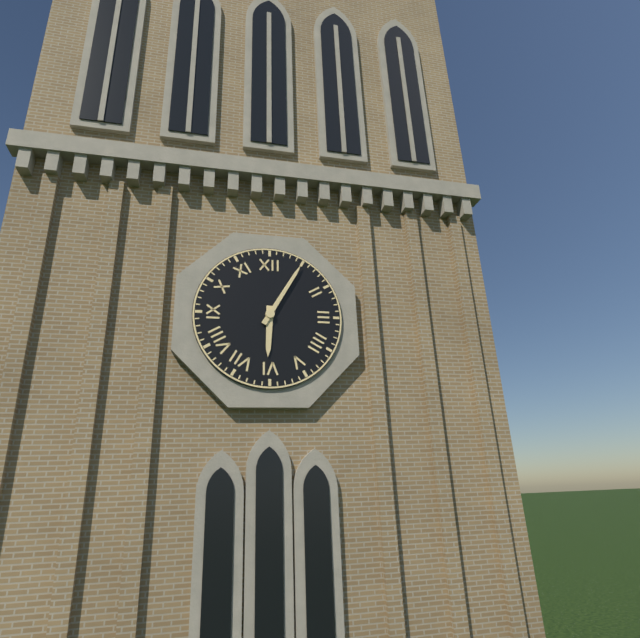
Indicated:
6.05
